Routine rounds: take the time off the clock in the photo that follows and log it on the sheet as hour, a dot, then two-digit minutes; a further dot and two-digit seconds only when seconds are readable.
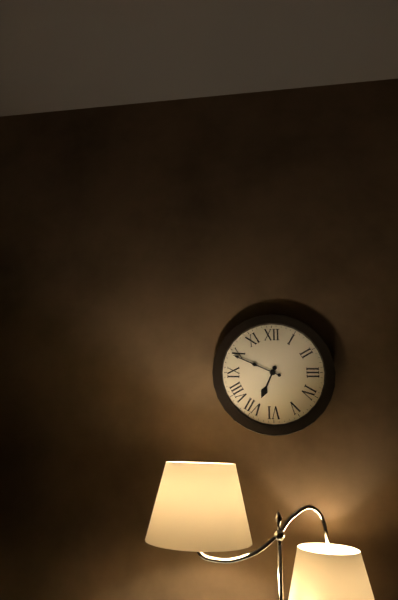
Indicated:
6.49
